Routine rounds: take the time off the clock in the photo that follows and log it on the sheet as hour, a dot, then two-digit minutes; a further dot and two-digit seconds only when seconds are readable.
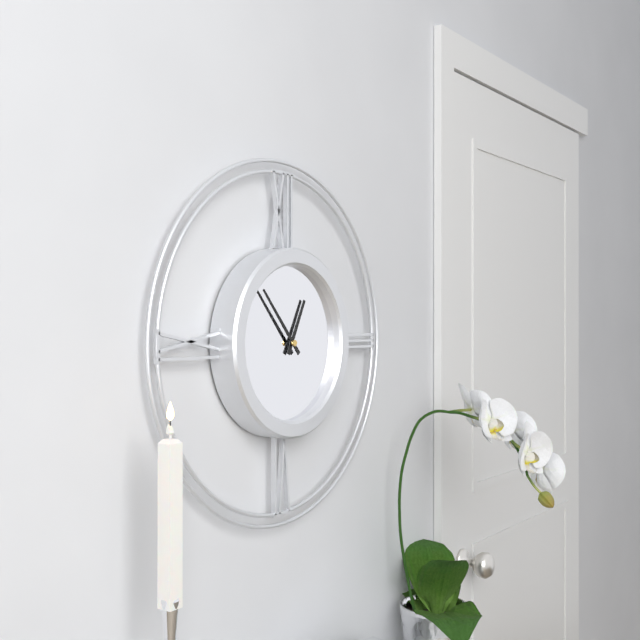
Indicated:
12.53
